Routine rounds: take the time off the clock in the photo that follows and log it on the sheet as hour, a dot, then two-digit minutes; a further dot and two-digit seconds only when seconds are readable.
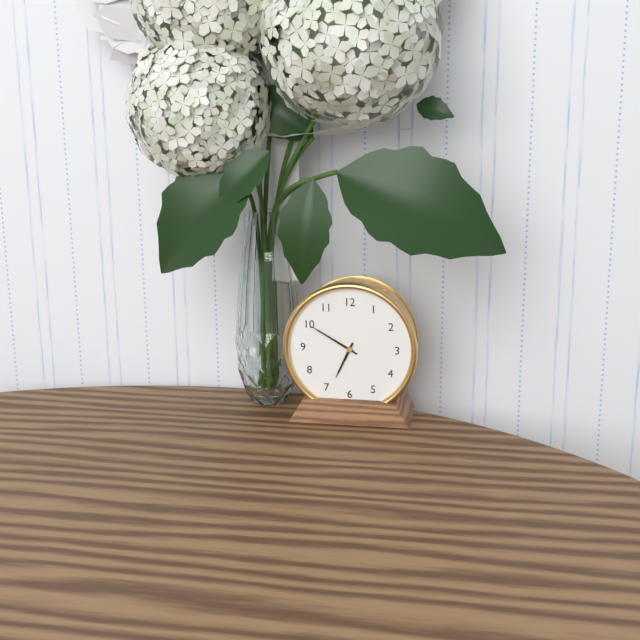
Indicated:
6.50
